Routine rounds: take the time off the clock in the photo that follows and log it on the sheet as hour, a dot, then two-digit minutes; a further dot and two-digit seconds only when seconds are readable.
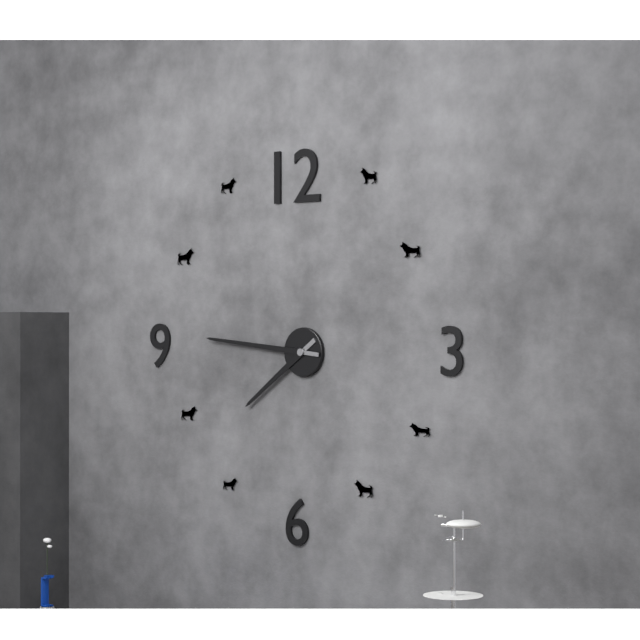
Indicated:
7.46
